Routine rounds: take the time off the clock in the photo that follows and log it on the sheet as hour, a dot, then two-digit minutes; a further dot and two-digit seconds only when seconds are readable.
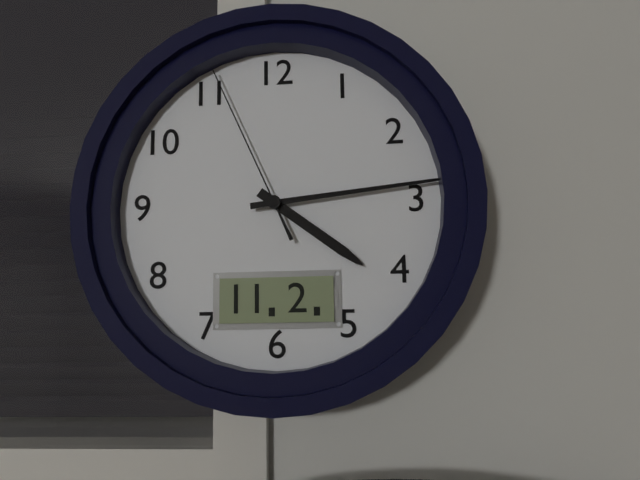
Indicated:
4.14.56
